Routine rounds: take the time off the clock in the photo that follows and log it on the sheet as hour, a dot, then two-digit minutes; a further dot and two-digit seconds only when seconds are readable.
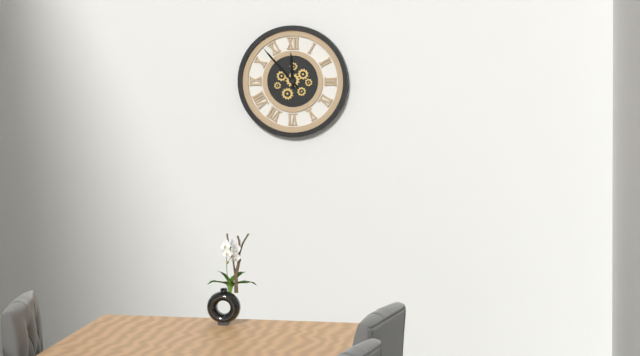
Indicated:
11.53
